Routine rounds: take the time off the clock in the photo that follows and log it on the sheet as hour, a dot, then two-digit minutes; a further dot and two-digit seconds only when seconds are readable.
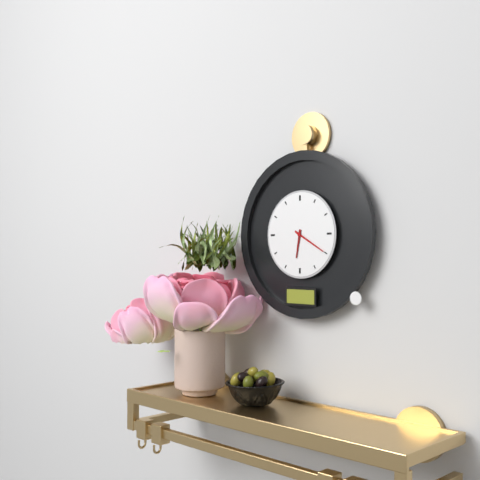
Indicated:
6.20
